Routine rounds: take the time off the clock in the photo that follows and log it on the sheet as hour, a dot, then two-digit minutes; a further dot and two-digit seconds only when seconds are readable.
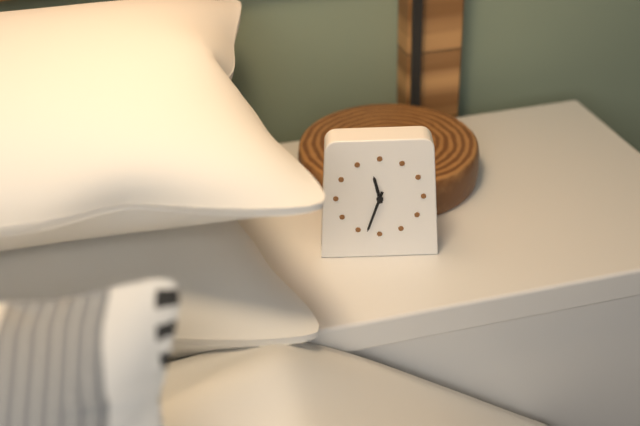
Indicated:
11.33
